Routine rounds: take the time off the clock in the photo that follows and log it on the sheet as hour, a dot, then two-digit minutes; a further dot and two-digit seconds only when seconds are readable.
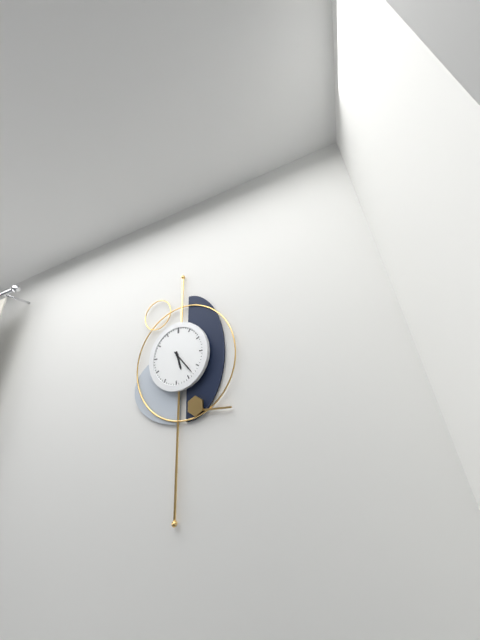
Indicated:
5.23
